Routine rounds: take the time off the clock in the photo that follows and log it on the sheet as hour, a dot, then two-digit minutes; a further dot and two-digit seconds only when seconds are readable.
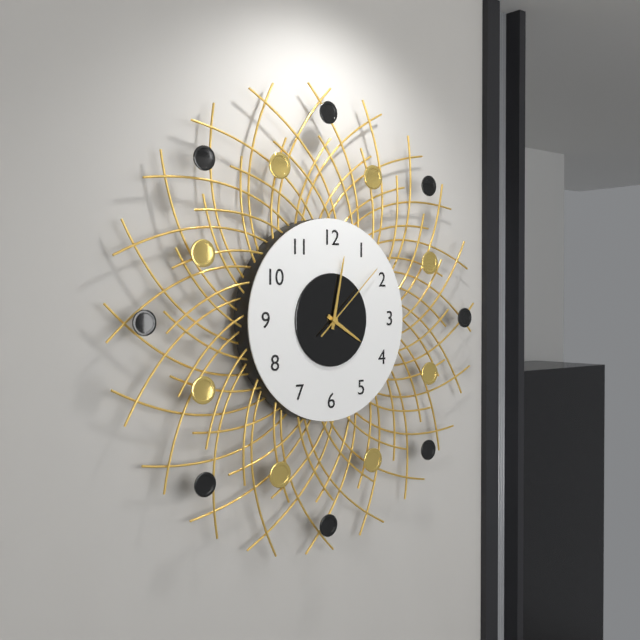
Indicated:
4.02.08
